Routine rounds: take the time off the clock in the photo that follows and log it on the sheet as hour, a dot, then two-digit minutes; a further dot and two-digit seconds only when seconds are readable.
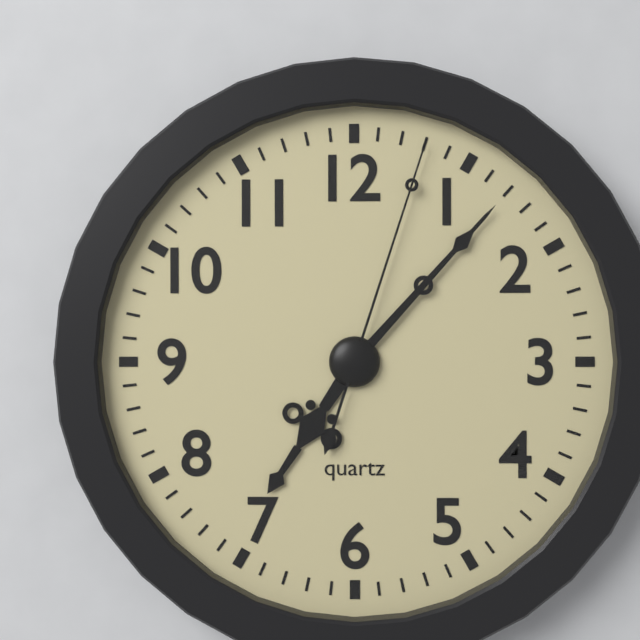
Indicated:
7.07.03
